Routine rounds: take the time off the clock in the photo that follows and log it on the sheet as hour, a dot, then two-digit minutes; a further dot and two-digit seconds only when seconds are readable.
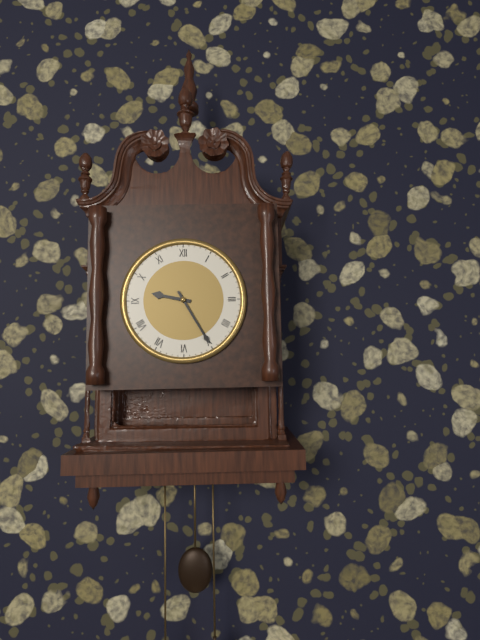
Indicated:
9.25
